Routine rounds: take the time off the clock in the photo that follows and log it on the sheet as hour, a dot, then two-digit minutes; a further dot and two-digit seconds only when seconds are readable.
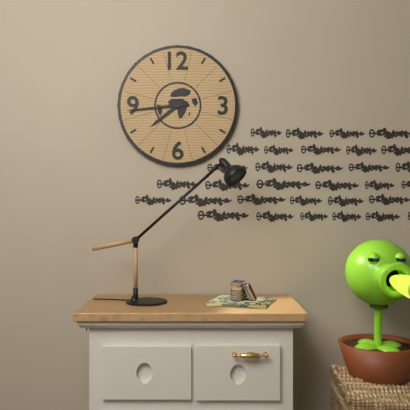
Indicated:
7.44
